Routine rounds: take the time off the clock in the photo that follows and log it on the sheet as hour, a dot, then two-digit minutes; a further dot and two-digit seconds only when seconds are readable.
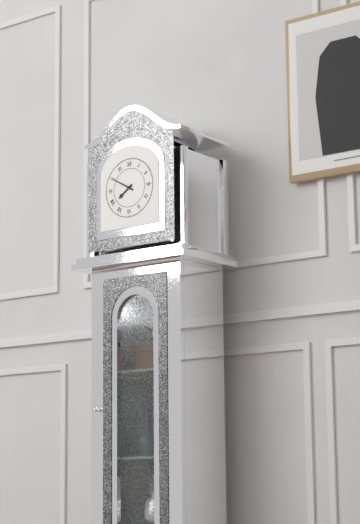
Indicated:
7.50
